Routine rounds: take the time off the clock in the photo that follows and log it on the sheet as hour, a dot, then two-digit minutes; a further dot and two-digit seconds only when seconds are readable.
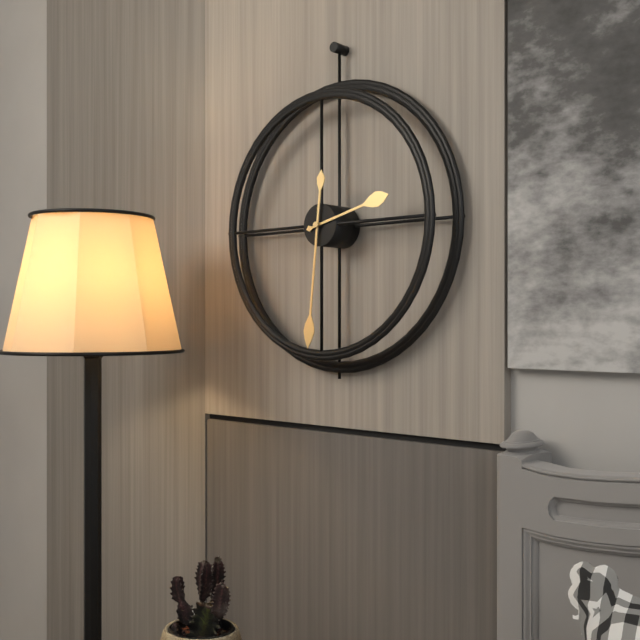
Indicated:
2.31
